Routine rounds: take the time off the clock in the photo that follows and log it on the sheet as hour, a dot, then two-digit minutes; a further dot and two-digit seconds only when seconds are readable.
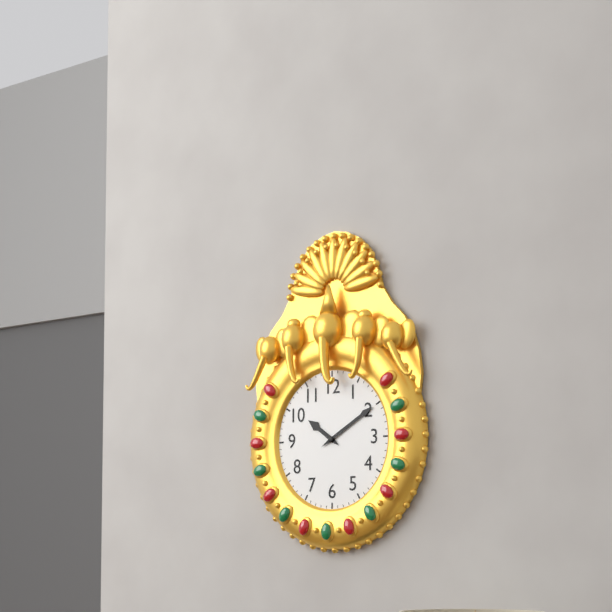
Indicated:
10.10
